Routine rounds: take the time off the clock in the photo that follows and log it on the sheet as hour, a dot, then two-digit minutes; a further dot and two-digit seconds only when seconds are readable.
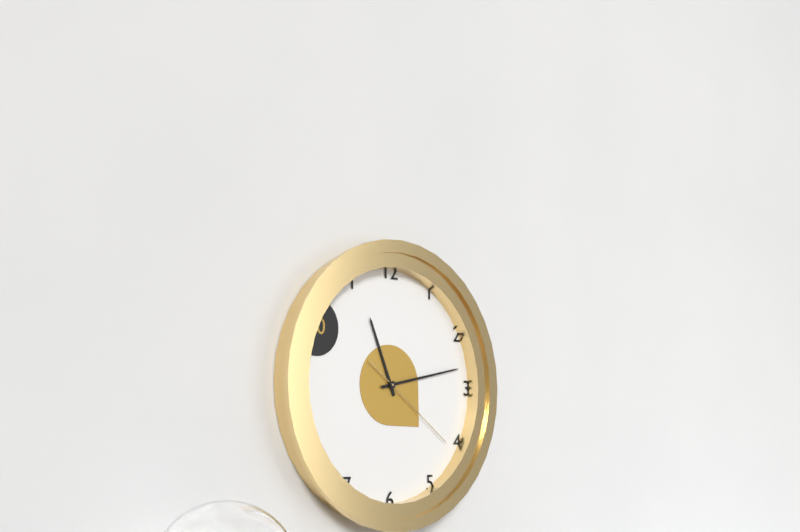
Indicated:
11.13.21
